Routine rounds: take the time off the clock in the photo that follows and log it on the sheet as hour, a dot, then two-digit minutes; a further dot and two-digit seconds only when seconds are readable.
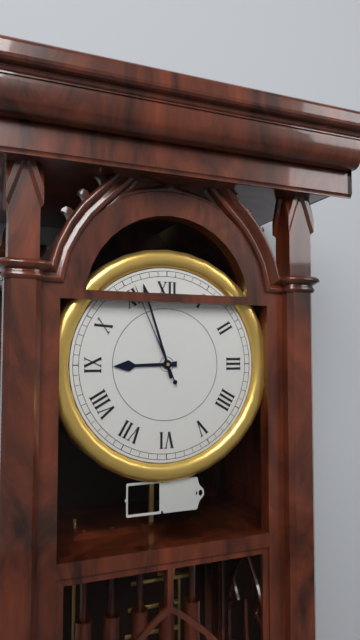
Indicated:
8.57.56
